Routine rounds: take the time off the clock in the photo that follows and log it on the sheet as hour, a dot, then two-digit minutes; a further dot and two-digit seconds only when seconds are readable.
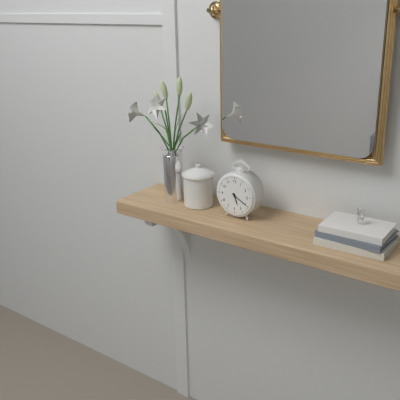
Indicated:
5.20
